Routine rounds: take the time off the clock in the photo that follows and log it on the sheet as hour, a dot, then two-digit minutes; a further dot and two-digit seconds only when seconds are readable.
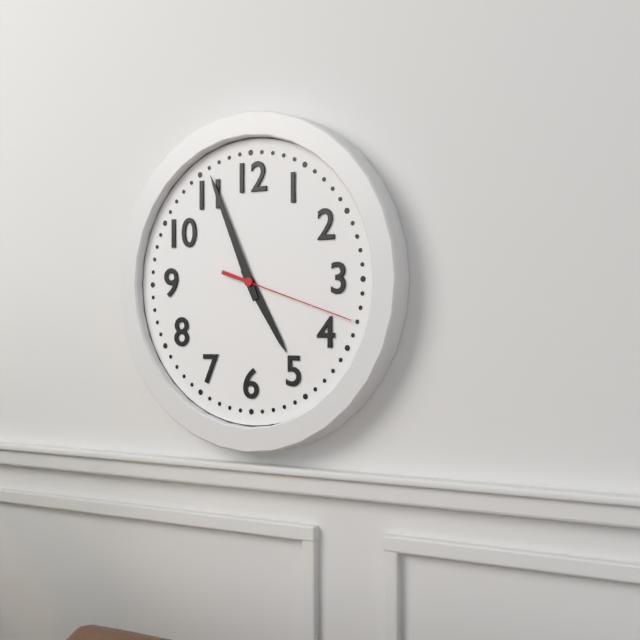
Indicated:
4.56.18
